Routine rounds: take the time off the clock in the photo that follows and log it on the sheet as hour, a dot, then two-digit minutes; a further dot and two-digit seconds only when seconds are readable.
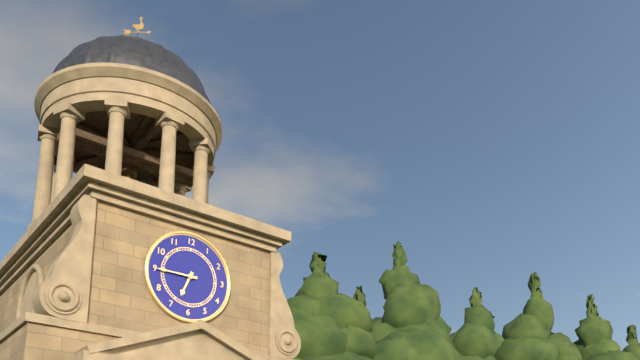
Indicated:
6.45
